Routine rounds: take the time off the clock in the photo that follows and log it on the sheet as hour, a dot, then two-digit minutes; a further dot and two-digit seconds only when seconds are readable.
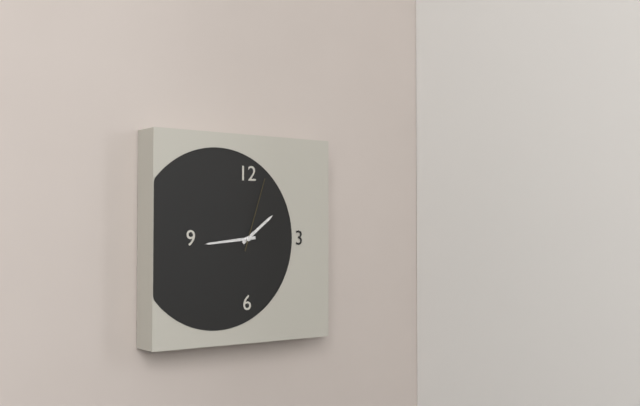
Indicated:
1.44.03
